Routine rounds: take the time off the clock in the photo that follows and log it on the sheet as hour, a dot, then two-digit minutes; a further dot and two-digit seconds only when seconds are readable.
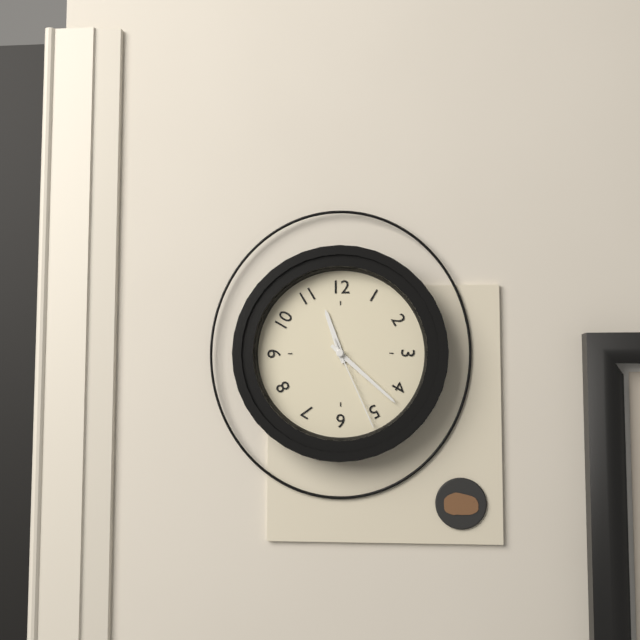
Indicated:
11.22.26
